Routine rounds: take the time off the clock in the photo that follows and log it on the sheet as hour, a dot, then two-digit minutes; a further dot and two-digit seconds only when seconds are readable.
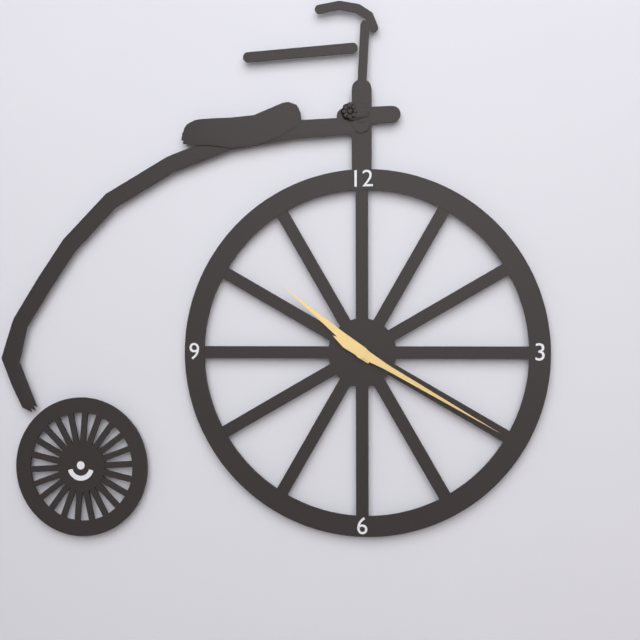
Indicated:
10.20
